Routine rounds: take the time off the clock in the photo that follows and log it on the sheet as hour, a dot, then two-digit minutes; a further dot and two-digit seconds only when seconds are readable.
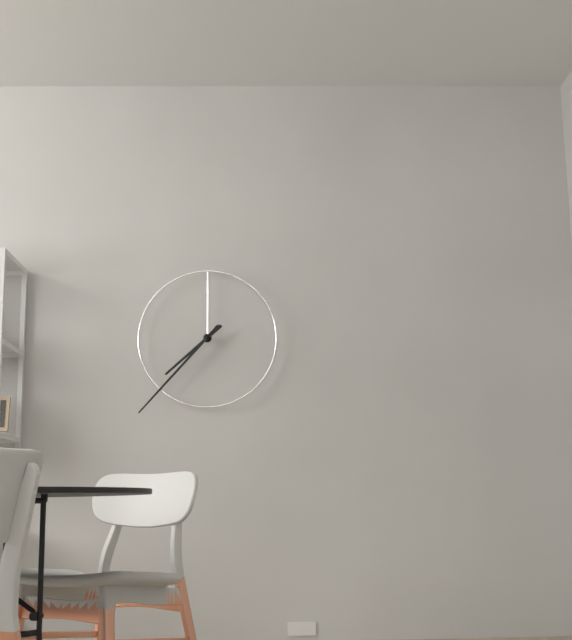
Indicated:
7.37
